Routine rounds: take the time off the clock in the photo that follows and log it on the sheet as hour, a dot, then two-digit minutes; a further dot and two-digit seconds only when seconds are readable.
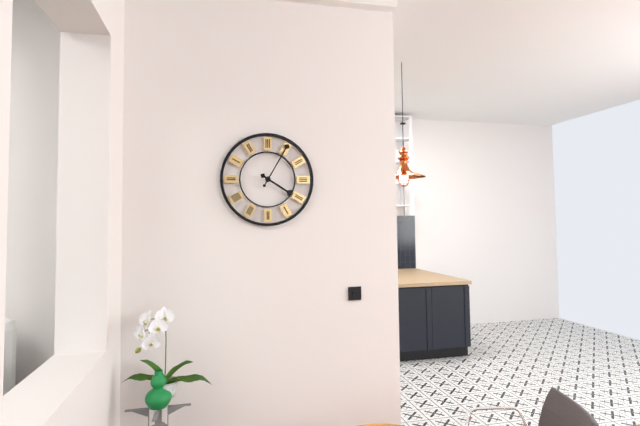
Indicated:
4.05
